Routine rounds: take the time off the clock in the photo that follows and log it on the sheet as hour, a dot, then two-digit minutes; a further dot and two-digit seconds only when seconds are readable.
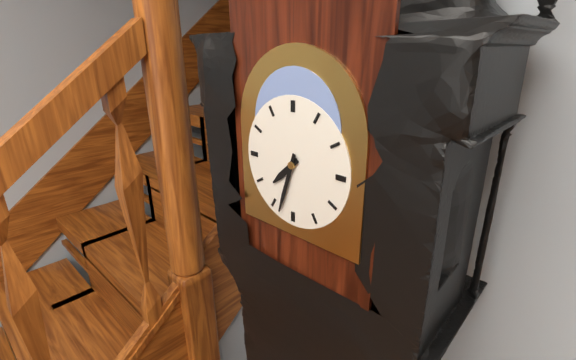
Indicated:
7.33
